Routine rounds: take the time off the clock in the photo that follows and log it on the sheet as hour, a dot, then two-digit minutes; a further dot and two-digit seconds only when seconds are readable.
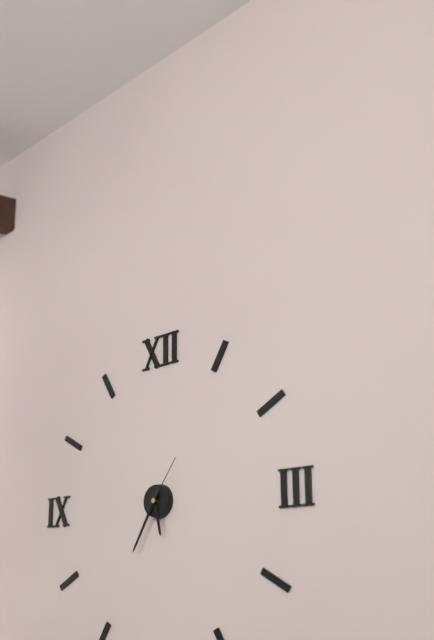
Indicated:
5.35.06
